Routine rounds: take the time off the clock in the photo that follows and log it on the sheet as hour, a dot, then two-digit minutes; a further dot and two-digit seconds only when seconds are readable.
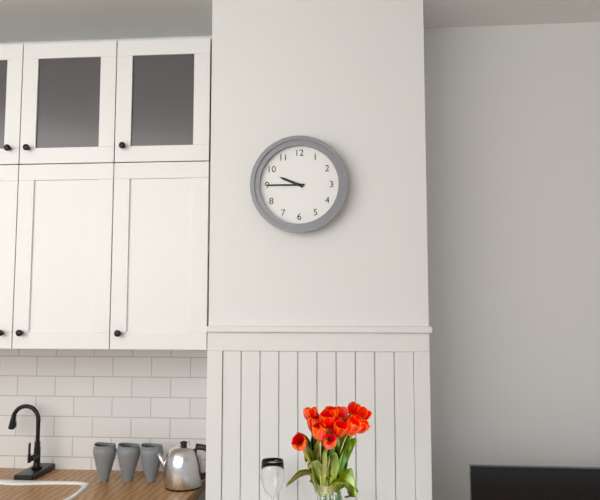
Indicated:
9.45
